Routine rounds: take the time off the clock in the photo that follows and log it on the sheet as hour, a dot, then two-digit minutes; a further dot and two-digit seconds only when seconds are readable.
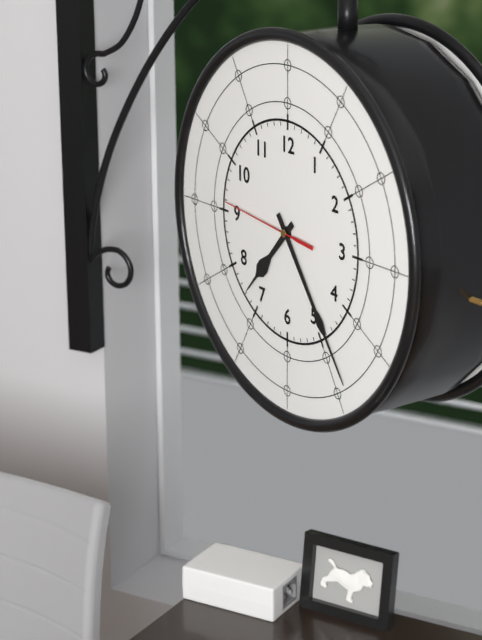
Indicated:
7.24.46
